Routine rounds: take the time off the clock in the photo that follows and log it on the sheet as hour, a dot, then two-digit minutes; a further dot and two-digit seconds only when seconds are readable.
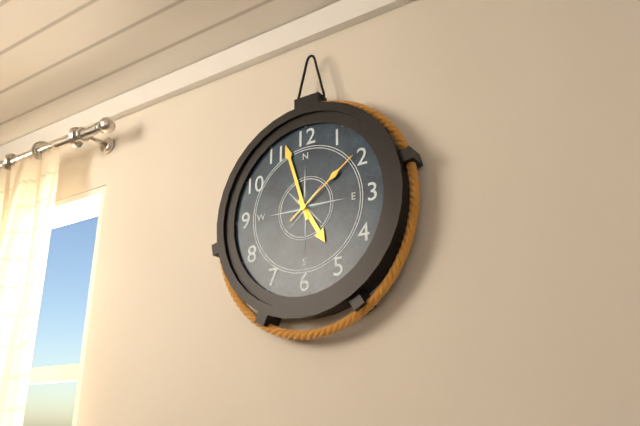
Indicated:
4.57.09
